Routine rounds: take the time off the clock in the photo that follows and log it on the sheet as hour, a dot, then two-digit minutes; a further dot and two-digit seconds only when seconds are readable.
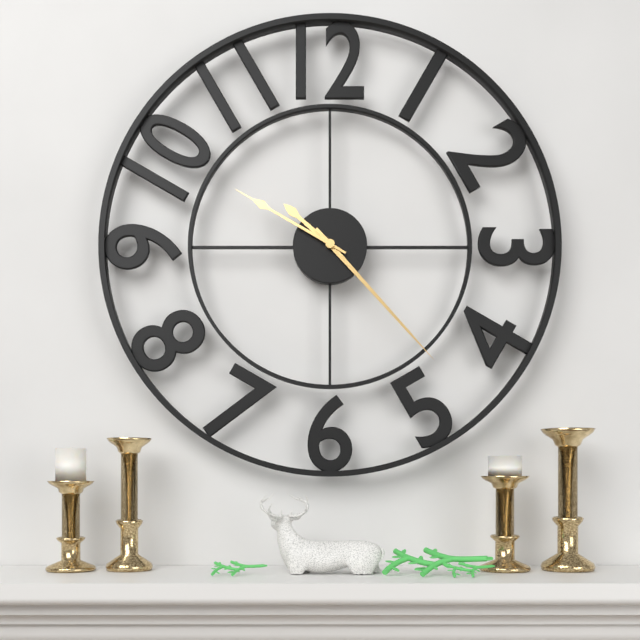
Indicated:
10.23.50
